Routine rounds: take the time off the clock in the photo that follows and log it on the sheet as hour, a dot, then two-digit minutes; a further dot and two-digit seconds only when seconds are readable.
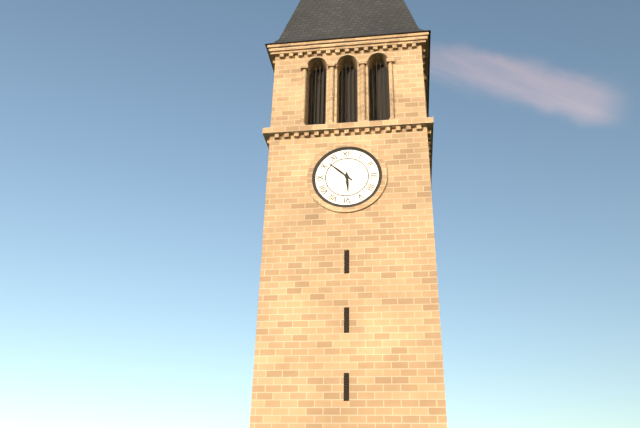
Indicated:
5.52
